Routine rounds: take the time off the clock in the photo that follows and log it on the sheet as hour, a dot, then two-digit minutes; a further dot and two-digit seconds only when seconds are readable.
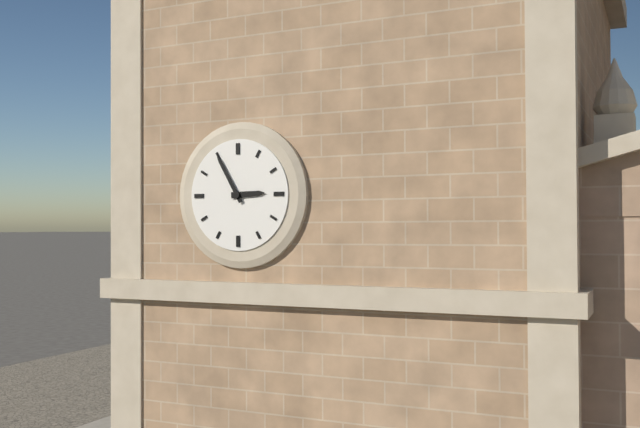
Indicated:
2.55
